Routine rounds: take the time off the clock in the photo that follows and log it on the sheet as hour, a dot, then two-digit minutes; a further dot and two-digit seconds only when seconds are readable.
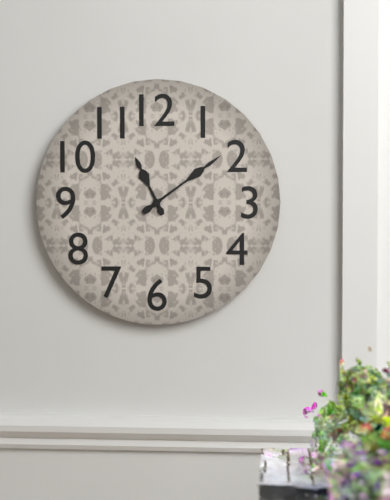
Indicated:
11.09
